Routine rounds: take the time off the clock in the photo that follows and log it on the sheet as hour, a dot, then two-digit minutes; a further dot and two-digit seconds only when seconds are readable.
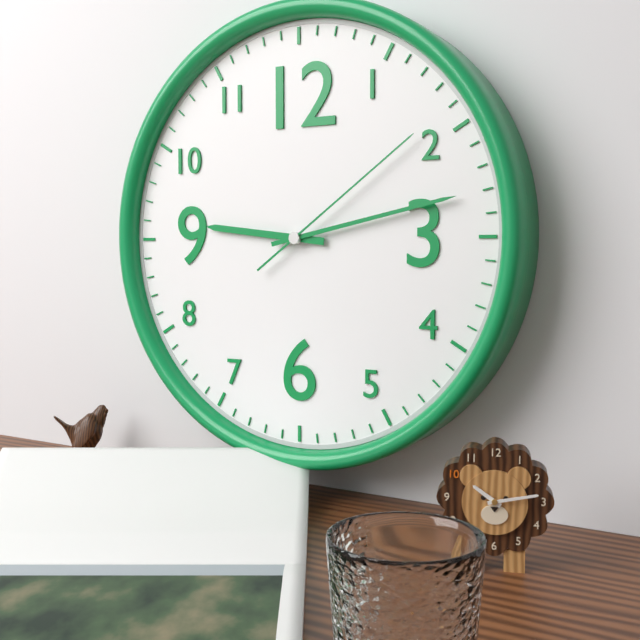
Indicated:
9.13.09
